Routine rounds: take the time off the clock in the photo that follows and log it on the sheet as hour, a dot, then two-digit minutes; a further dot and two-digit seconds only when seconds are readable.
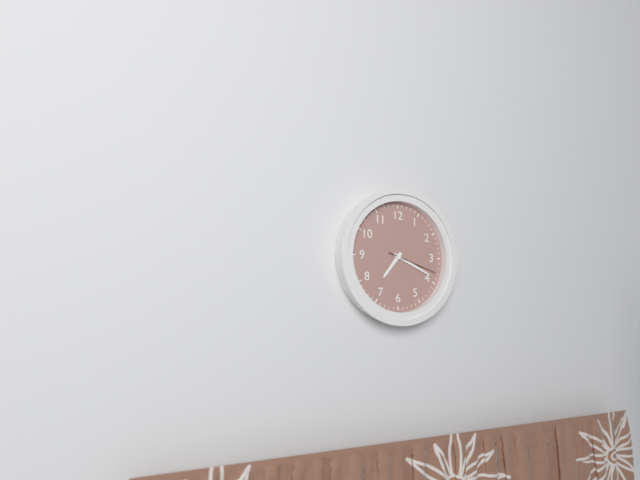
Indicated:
7.19.18
